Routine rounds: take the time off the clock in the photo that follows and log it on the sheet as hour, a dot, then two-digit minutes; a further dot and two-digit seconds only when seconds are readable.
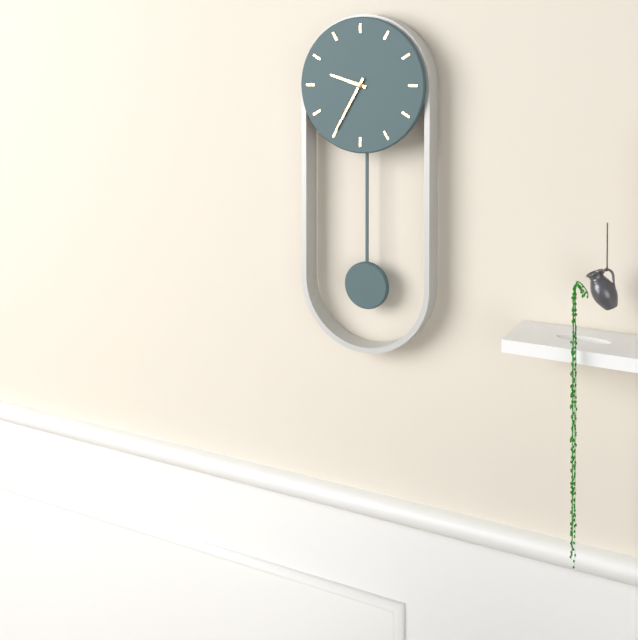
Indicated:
9.35
